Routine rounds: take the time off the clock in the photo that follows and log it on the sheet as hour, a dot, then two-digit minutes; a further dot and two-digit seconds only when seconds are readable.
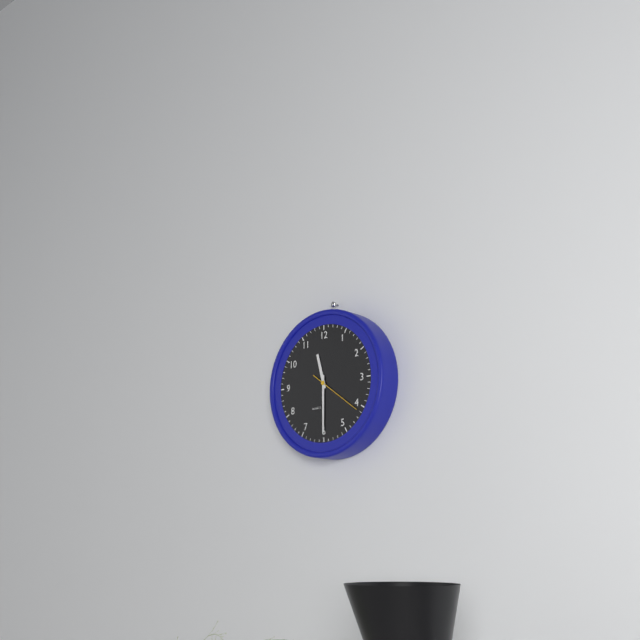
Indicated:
11.30.21
